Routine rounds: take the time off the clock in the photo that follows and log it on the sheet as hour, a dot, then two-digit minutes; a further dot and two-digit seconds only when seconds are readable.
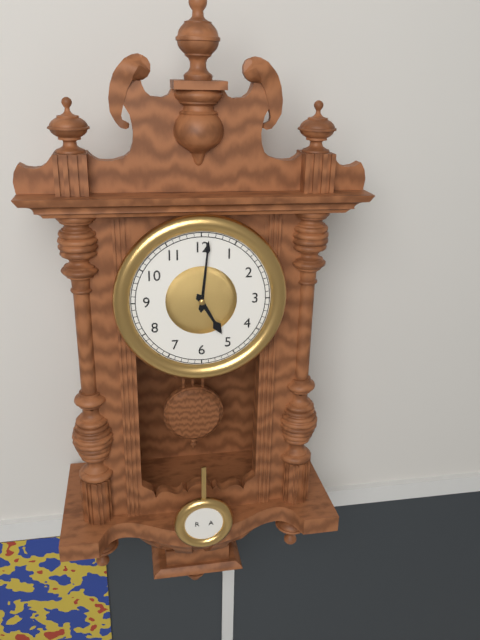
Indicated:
5.01
